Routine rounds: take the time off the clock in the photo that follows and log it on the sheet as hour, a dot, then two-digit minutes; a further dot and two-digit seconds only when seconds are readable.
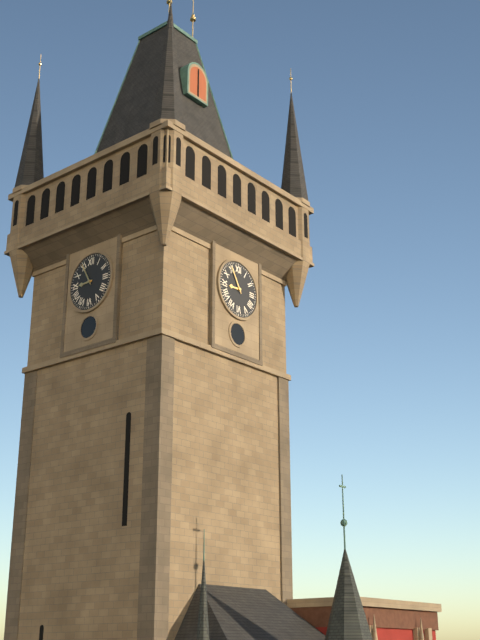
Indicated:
8.55
